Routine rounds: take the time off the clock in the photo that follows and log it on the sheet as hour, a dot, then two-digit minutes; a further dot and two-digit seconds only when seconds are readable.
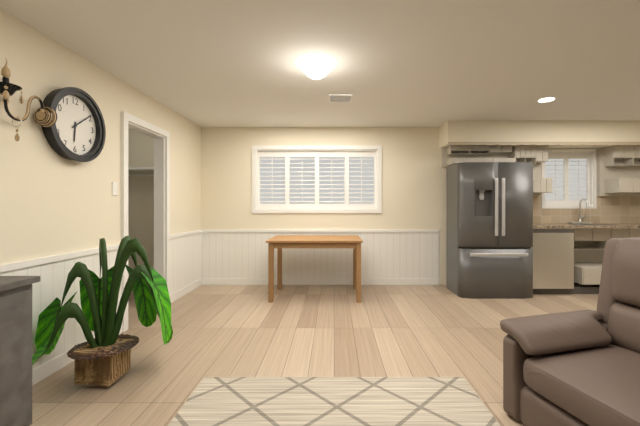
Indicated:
6.09
